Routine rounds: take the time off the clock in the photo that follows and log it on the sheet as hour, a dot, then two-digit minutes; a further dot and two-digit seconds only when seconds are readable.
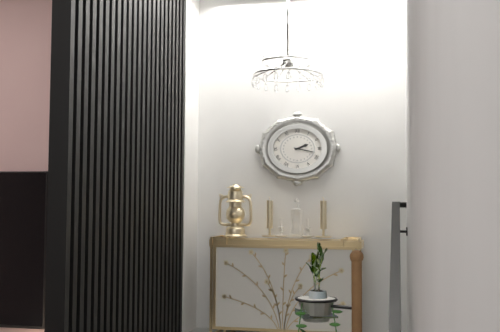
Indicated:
2.17
